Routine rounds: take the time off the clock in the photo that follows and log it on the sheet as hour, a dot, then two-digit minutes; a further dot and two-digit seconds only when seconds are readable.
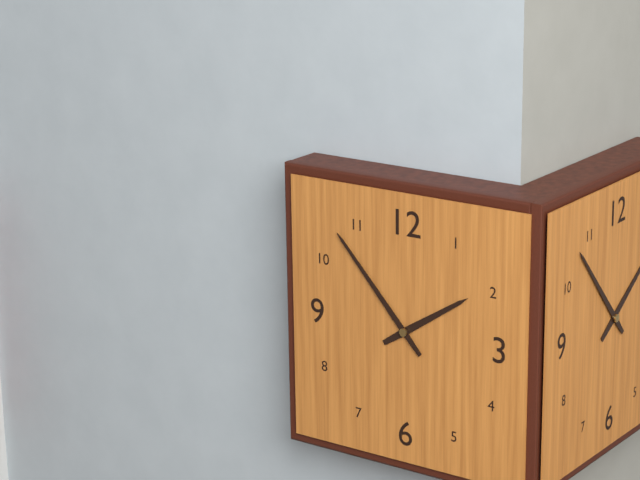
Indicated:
1.53
